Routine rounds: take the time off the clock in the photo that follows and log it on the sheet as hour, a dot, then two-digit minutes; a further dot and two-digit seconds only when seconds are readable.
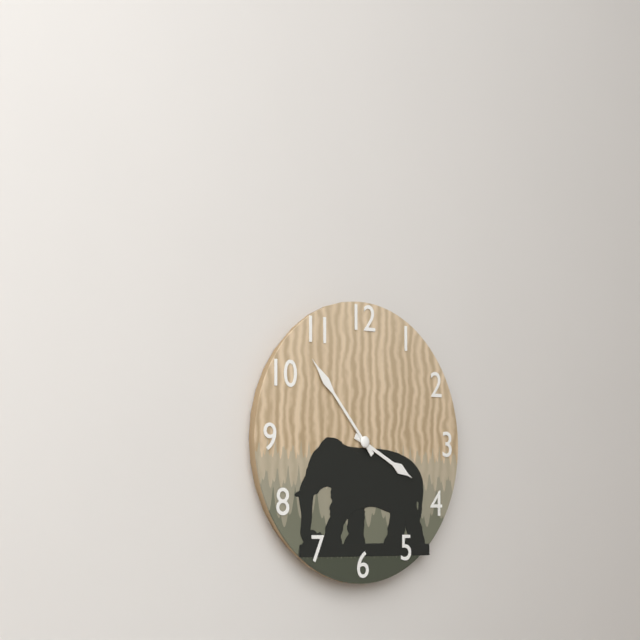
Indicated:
3.53
